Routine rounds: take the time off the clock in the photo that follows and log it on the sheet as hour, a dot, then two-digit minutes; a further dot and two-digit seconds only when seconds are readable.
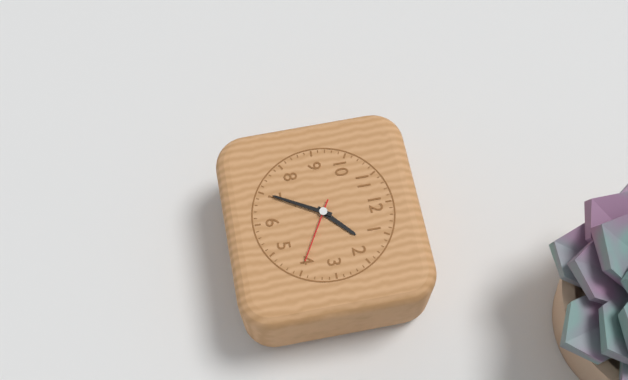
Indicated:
1.35.20
